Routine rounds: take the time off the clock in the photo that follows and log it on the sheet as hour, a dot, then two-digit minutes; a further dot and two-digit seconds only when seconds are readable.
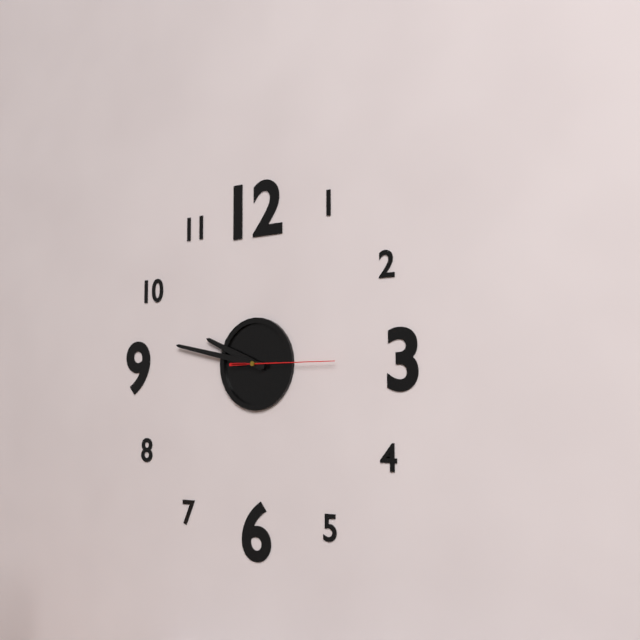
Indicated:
9.47.15
